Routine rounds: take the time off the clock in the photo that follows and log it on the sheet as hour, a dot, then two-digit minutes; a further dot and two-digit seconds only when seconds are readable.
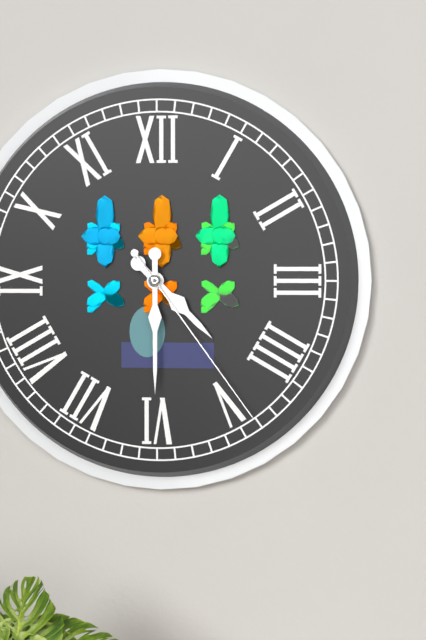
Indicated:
4.30.24
